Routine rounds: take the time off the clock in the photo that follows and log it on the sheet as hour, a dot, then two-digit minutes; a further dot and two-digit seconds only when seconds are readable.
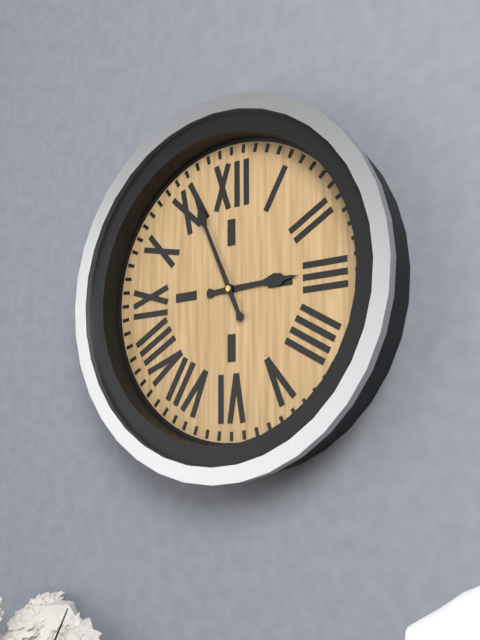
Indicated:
2.56
